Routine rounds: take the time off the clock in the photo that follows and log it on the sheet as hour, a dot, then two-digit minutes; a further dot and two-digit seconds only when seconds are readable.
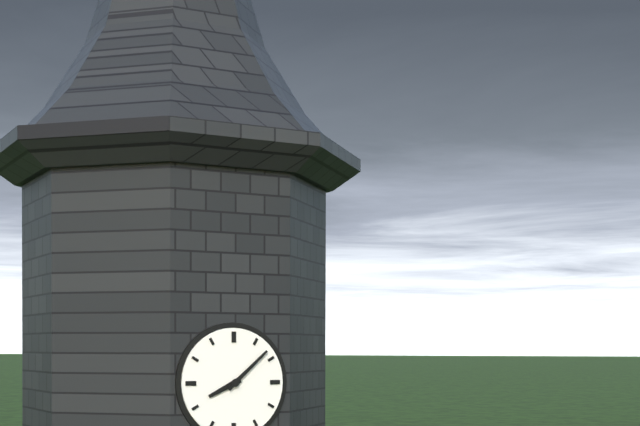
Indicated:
8.08
